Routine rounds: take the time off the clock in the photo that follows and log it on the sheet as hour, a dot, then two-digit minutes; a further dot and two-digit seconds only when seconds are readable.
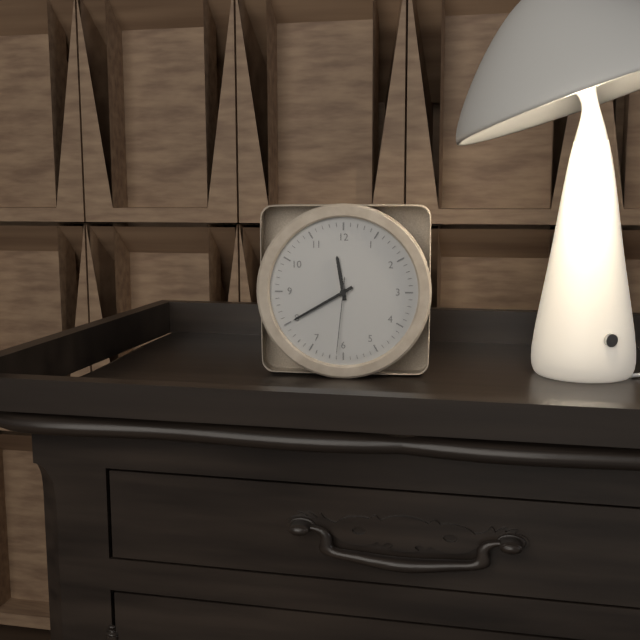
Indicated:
11.40.31
